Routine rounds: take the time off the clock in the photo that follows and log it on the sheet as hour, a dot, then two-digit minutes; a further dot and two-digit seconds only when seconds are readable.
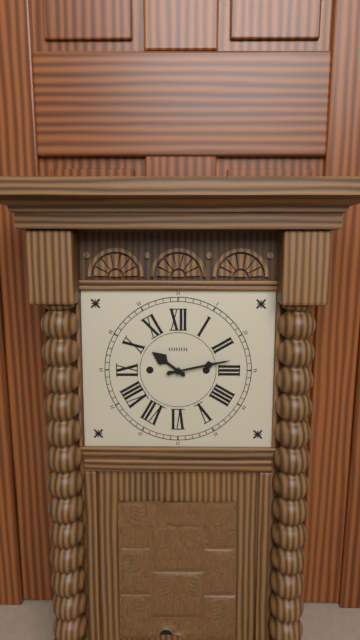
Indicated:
10.13
